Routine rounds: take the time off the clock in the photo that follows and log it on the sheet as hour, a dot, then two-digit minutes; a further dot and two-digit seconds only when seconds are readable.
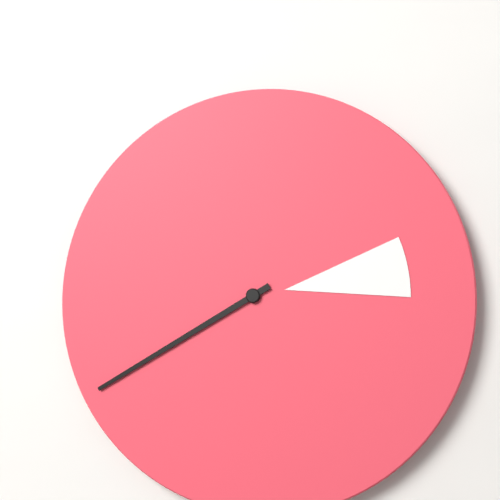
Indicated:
2.40
